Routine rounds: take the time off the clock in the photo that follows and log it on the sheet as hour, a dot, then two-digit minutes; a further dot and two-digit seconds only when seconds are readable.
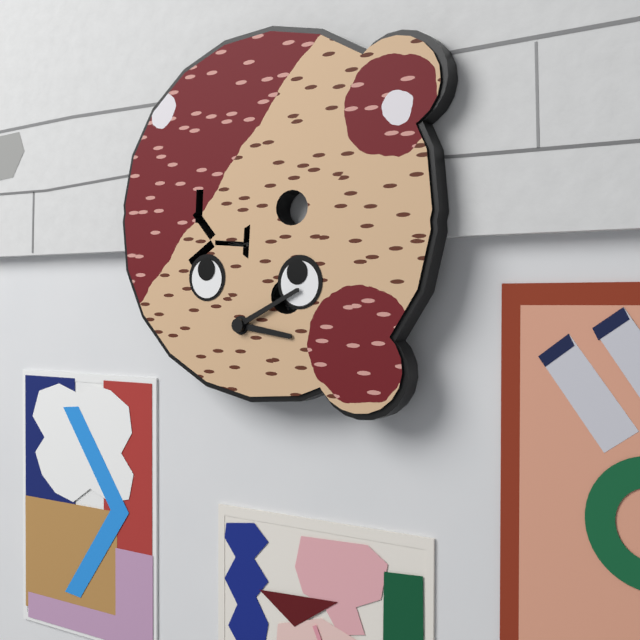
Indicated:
3.10
